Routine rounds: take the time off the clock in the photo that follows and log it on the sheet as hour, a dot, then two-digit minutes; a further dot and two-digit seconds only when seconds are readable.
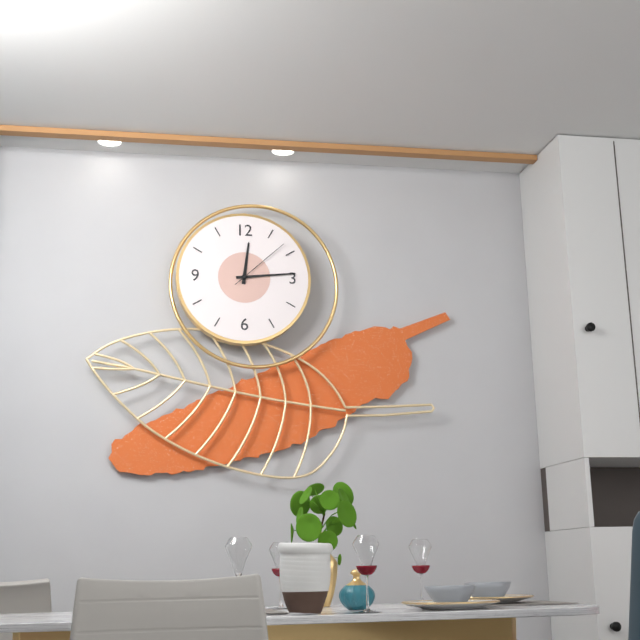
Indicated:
12.14.08
